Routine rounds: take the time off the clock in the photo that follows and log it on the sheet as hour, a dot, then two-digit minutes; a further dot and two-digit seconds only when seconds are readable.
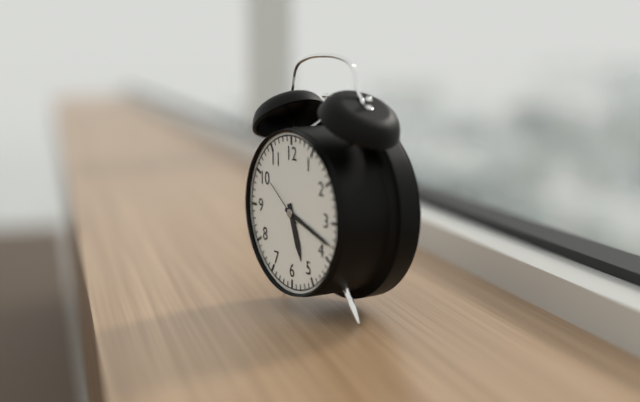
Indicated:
5.18.51
